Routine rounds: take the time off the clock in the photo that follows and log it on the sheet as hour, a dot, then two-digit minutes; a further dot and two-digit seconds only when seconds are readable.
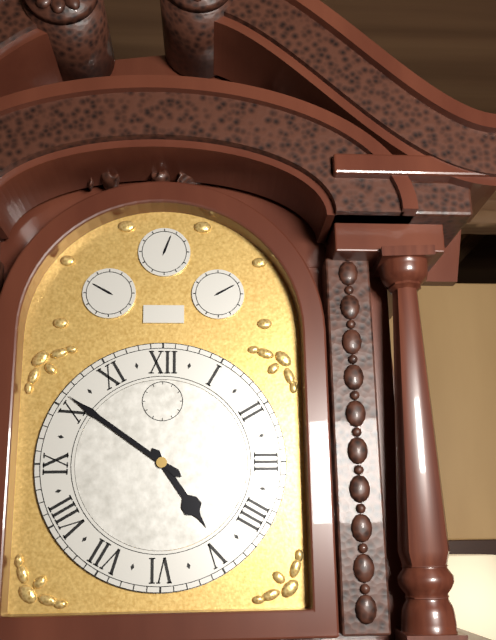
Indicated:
4.51
